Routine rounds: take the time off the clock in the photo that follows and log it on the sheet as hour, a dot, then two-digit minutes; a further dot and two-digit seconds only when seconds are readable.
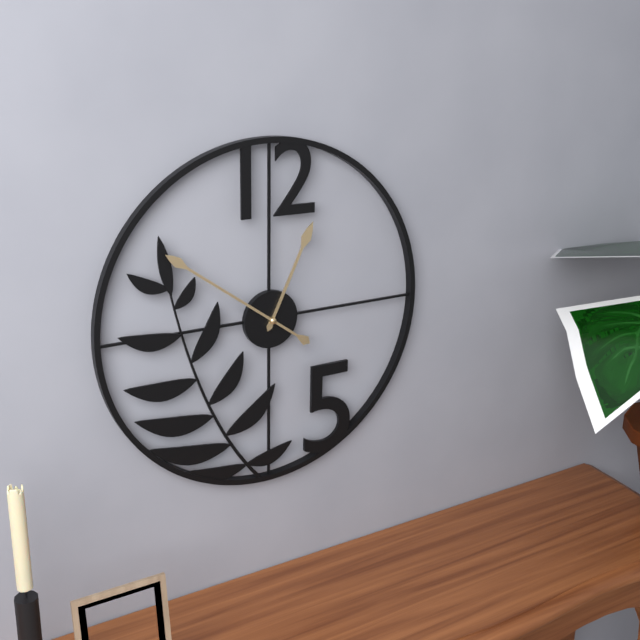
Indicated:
12.51
